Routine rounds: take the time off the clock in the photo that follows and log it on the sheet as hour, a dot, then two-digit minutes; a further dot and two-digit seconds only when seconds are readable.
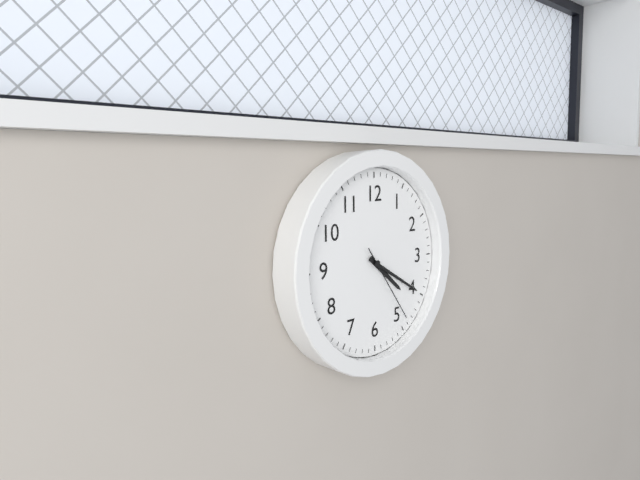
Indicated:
4.20.24
